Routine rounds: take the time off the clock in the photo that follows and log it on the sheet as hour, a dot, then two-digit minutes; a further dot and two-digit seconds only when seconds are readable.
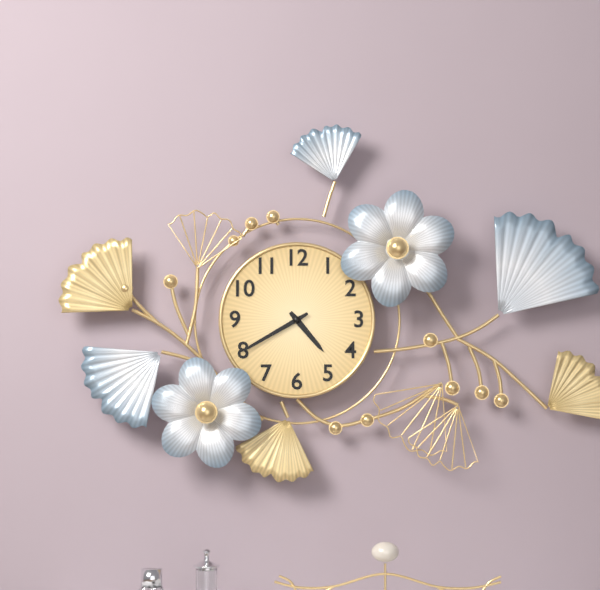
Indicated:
4.40
